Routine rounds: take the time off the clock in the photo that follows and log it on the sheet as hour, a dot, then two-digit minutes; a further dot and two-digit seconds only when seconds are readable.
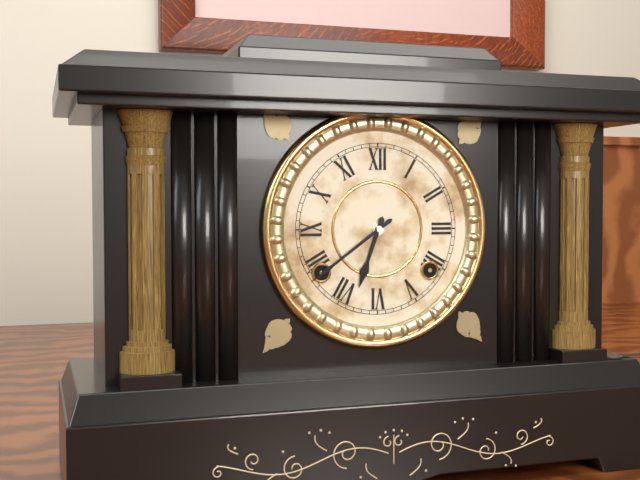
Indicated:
6.39
